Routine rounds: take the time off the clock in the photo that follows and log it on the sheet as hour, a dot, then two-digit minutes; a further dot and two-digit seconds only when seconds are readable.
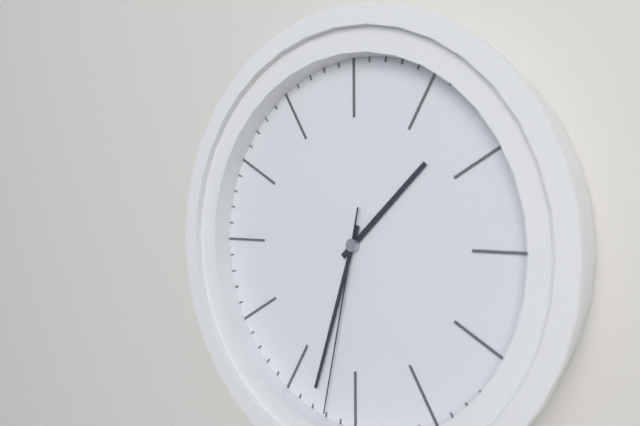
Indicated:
1.33.32
